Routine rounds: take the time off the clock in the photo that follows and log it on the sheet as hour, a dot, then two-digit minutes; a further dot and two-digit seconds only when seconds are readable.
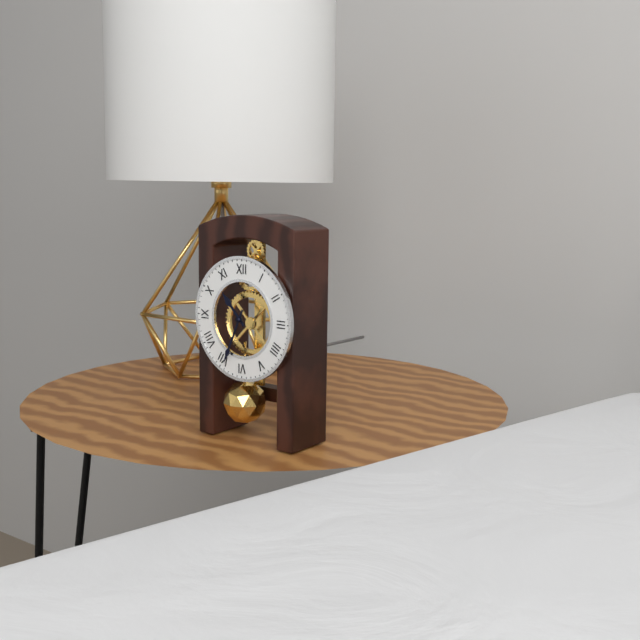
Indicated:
10.34
